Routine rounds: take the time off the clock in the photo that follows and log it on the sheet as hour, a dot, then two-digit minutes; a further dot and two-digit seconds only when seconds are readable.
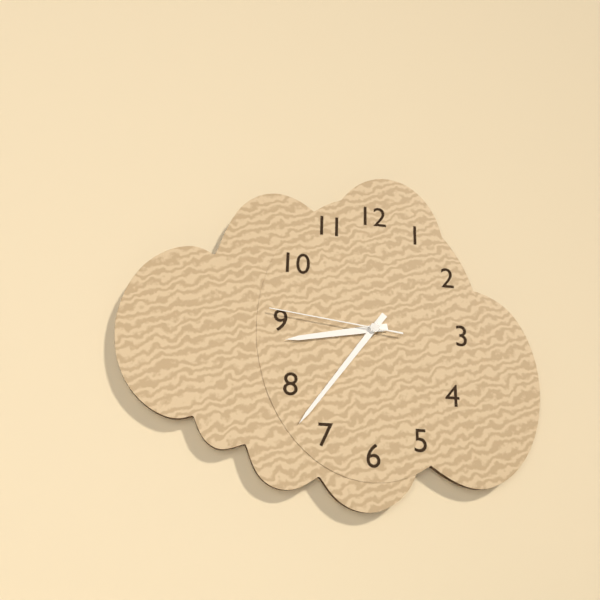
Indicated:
8.36.46
